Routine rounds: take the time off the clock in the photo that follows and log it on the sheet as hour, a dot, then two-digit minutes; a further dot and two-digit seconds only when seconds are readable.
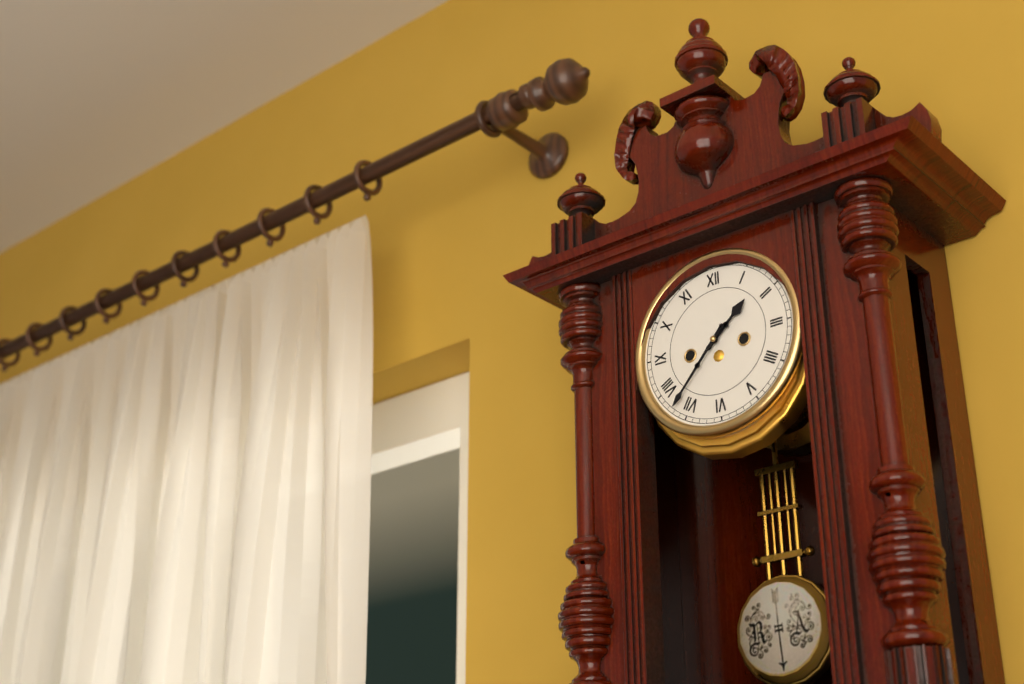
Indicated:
1.37
